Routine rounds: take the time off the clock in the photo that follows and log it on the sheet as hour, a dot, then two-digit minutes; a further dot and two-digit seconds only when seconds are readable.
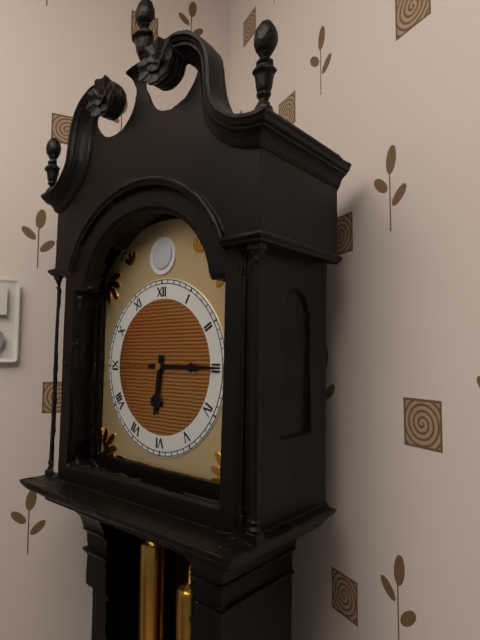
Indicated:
6.15
